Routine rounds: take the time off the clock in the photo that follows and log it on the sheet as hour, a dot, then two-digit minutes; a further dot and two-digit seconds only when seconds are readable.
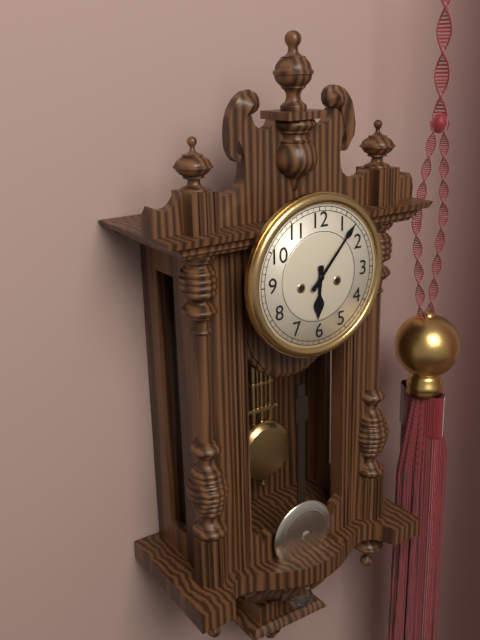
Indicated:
6.07
